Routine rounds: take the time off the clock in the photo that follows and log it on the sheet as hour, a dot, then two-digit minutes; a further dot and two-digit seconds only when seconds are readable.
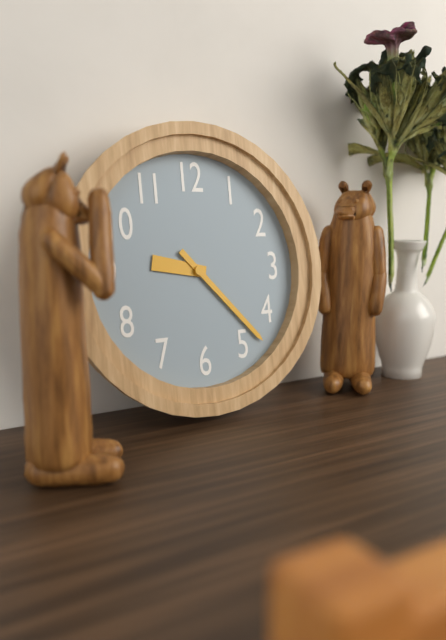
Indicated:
9.23
